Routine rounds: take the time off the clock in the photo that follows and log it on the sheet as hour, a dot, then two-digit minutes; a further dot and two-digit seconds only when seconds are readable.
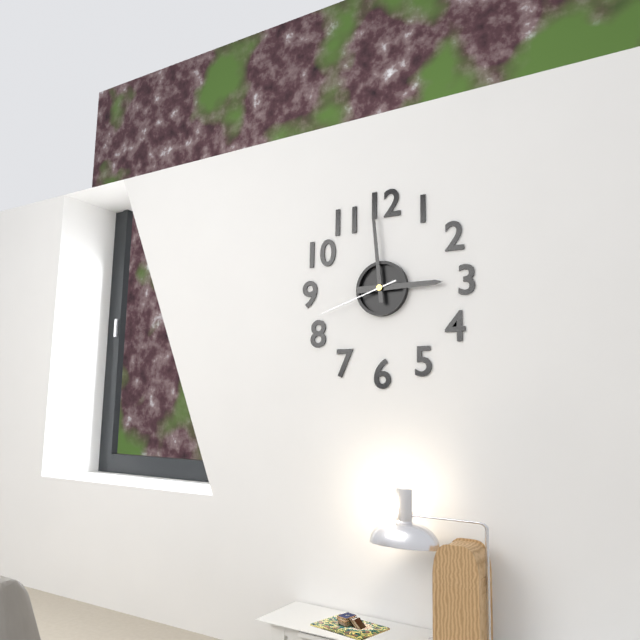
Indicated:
2.59.42
